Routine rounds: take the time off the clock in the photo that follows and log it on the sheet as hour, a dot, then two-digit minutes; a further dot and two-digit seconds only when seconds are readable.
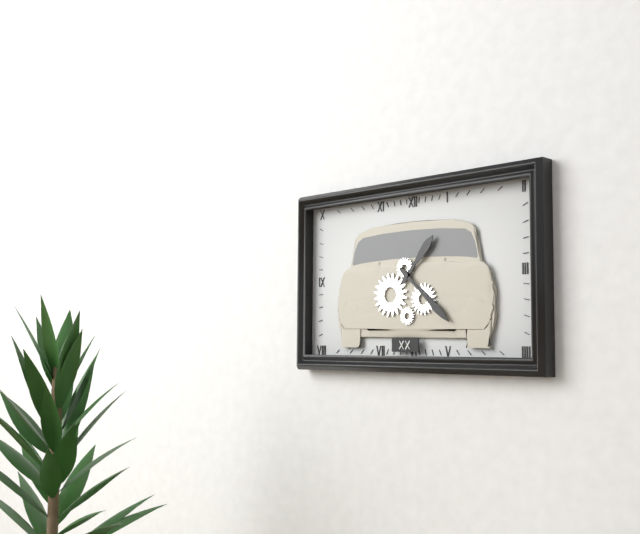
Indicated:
1.22
